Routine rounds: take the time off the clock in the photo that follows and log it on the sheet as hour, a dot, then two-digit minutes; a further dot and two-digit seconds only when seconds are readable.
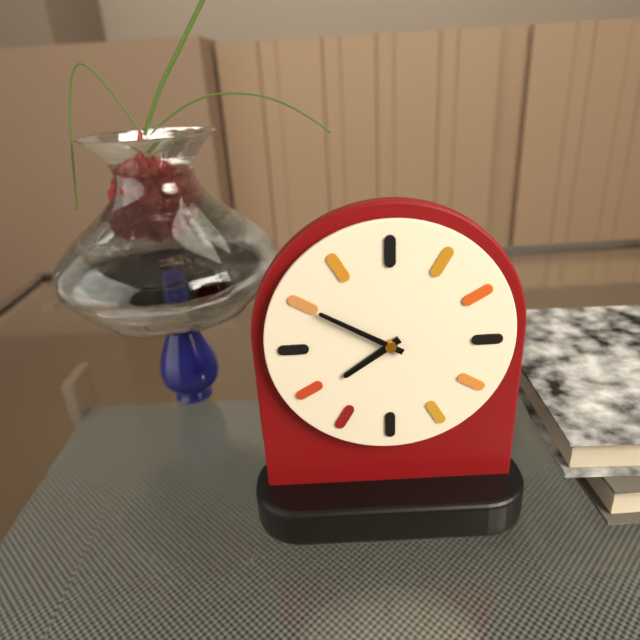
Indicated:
7.50
